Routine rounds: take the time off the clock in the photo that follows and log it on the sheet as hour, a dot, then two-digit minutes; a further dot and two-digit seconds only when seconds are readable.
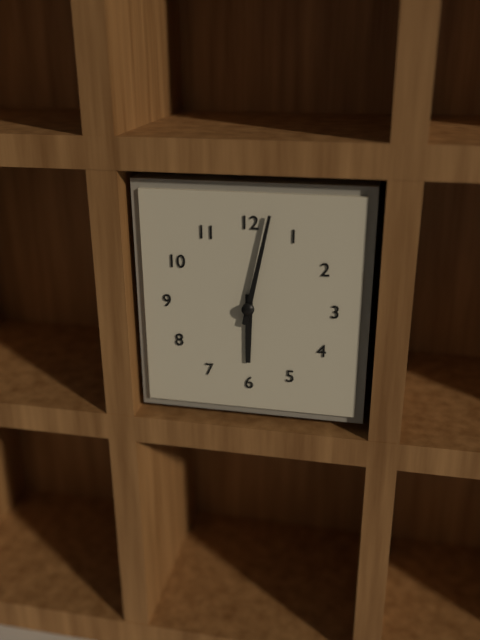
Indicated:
6.02
